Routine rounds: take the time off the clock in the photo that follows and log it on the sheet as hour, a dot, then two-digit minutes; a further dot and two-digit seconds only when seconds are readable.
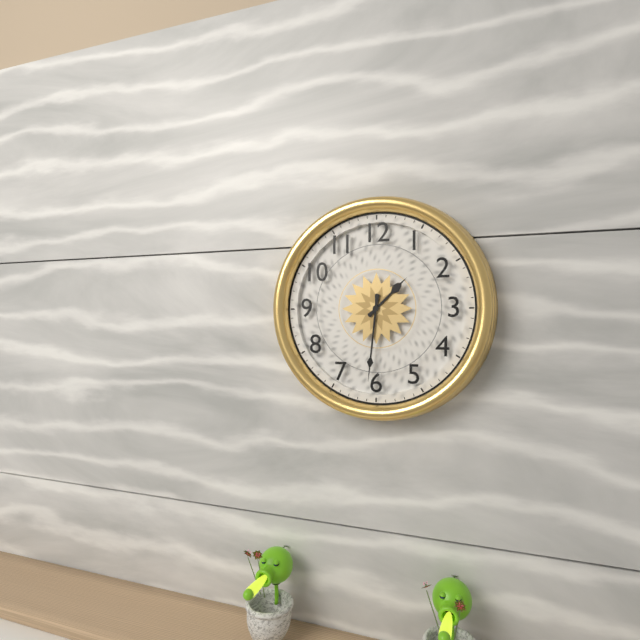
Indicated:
1.31
